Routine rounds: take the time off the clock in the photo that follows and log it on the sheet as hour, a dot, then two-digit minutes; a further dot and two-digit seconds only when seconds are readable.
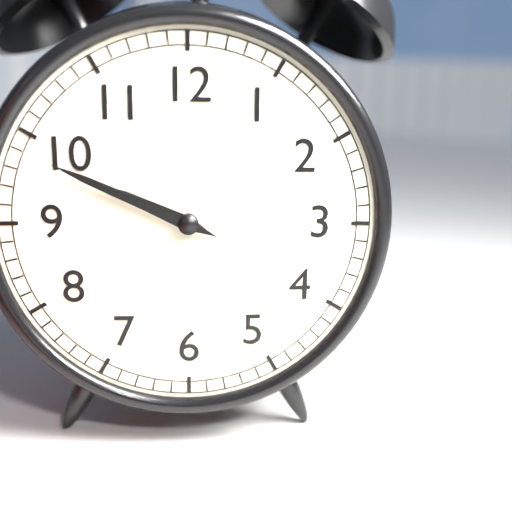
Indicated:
9.49
